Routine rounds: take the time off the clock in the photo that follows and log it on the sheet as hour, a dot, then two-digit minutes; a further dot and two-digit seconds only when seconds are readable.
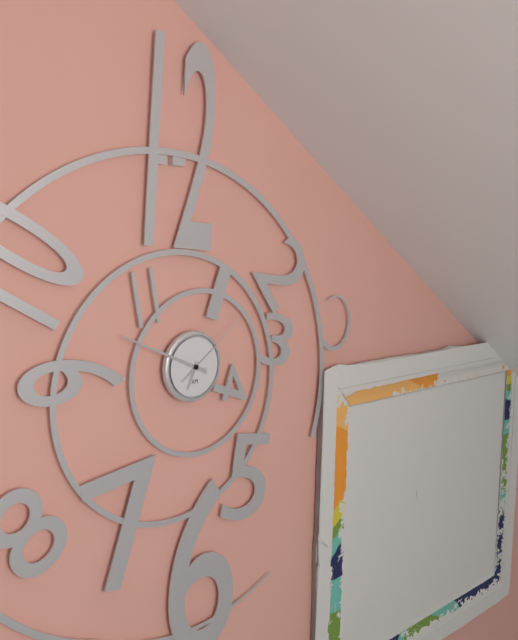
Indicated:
6.49.09
